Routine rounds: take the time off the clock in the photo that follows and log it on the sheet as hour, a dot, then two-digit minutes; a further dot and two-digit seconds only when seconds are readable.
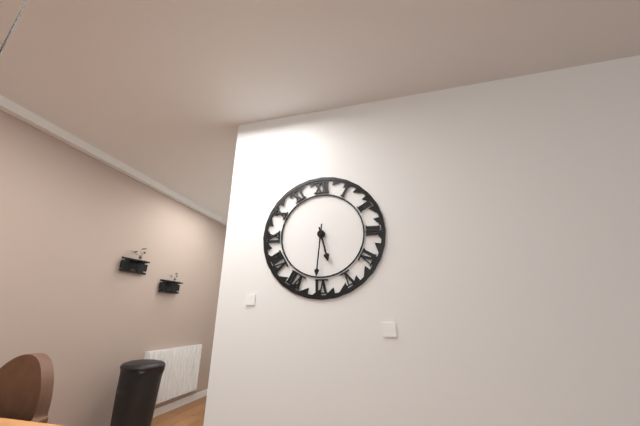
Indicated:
5.31
